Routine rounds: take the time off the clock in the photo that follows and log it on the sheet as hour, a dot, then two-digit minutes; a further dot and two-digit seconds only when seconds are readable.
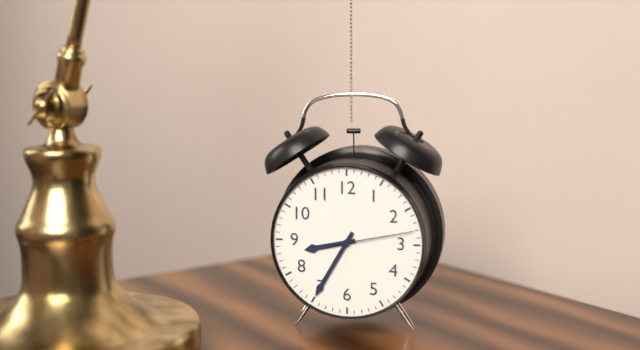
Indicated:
8.35.13
